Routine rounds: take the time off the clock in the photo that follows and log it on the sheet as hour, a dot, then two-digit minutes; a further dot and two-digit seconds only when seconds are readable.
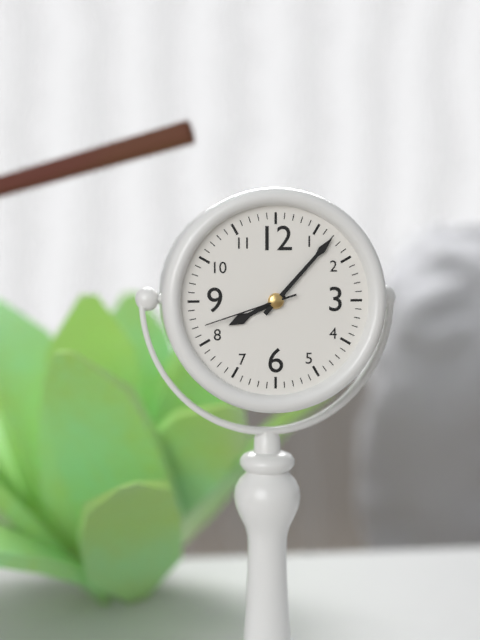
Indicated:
8.07.42
